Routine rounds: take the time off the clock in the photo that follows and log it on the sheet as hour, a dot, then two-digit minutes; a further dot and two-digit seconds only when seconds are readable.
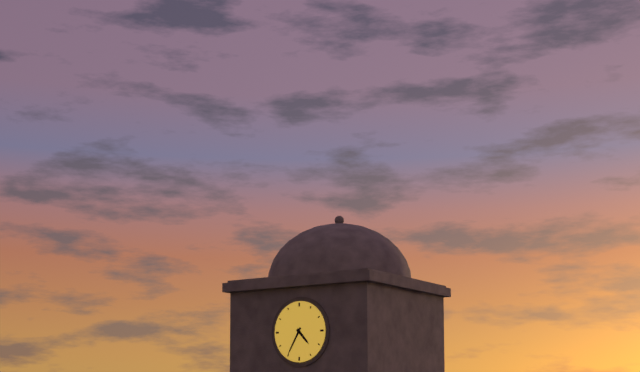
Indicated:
4.35
